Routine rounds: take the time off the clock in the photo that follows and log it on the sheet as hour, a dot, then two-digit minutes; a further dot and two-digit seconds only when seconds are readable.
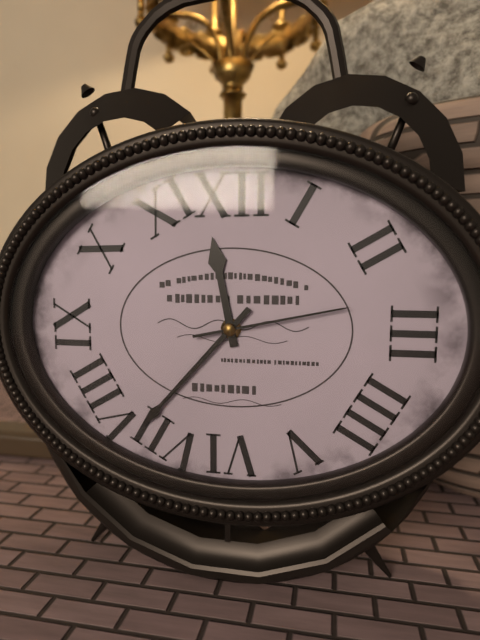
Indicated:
11.37.13
